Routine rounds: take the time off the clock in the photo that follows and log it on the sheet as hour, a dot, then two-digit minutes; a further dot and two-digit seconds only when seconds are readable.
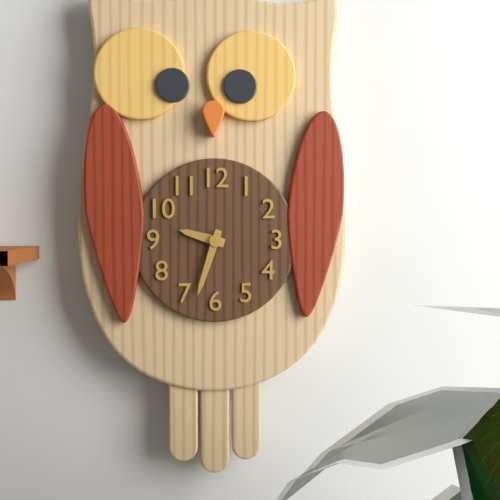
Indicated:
9.33
